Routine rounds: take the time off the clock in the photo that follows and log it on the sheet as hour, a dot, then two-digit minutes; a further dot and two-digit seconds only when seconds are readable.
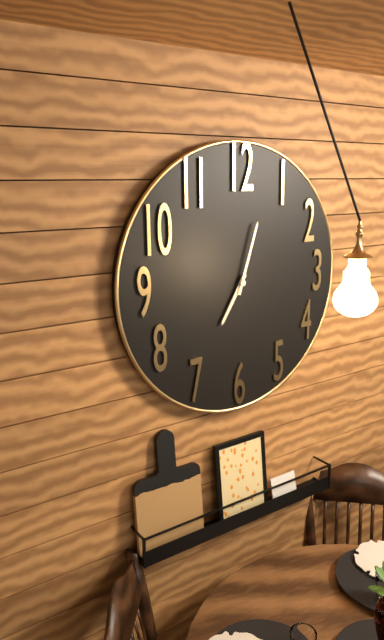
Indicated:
7.03
